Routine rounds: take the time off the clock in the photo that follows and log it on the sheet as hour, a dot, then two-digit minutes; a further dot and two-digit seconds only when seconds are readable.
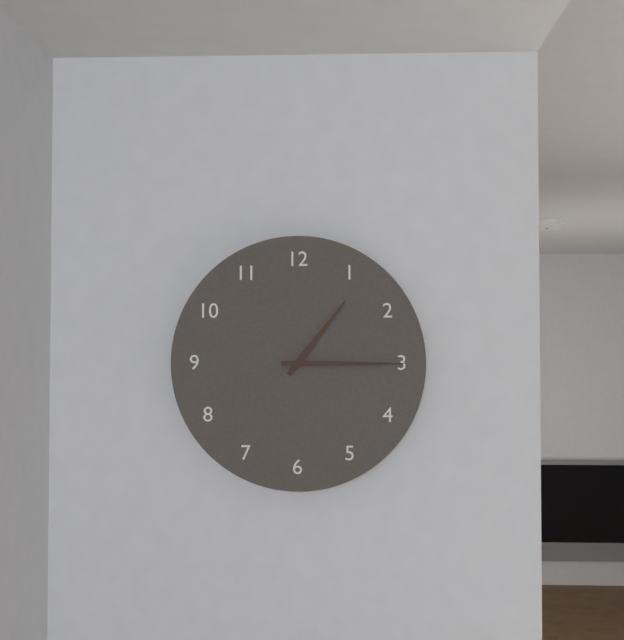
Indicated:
1.15
